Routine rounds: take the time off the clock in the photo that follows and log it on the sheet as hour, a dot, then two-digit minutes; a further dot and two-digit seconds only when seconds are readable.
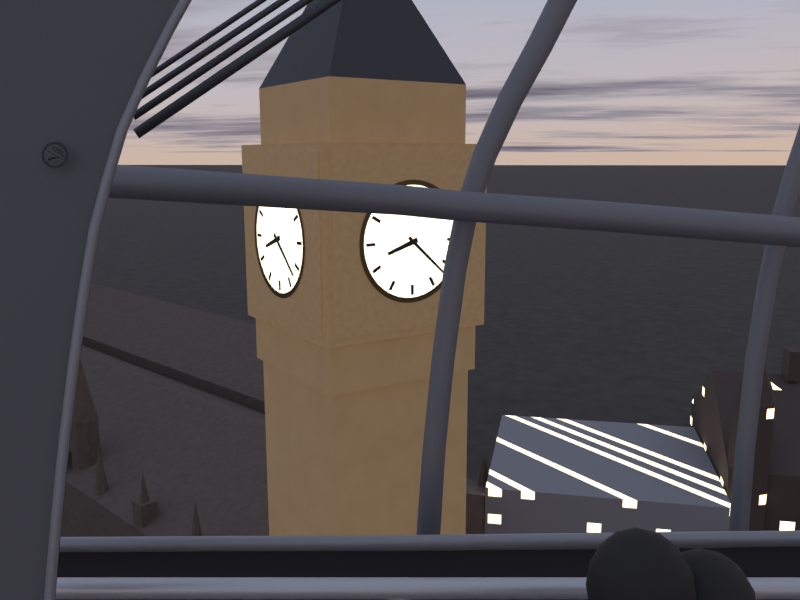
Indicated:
8.22
